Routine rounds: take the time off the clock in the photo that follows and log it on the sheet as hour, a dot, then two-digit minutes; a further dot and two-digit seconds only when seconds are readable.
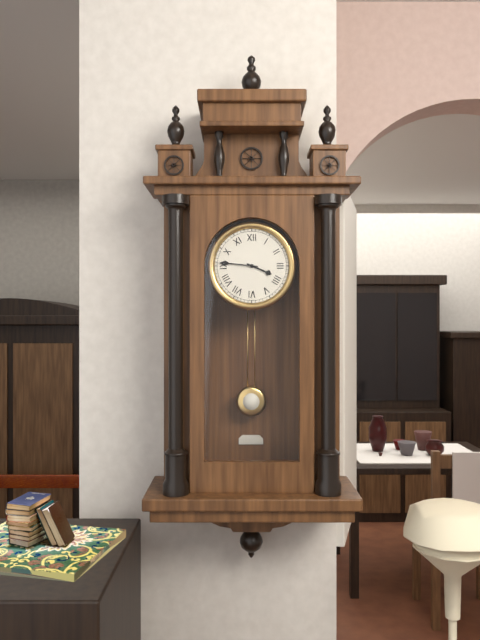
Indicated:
3.46
